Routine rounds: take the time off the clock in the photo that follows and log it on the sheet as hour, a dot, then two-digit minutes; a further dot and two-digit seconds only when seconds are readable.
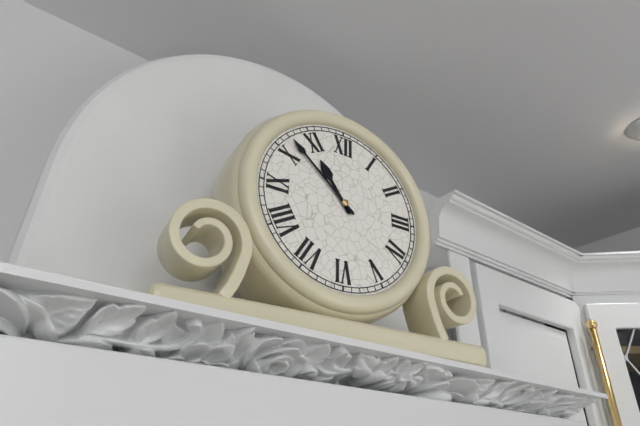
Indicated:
10.52
